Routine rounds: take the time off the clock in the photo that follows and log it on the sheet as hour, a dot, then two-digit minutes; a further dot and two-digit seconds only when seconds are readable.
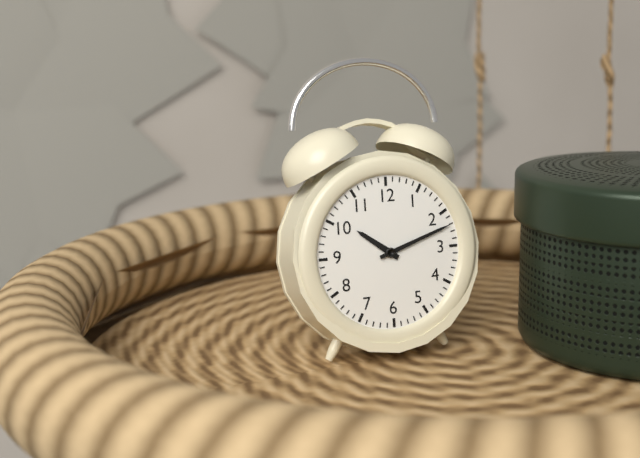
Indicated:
10.12
